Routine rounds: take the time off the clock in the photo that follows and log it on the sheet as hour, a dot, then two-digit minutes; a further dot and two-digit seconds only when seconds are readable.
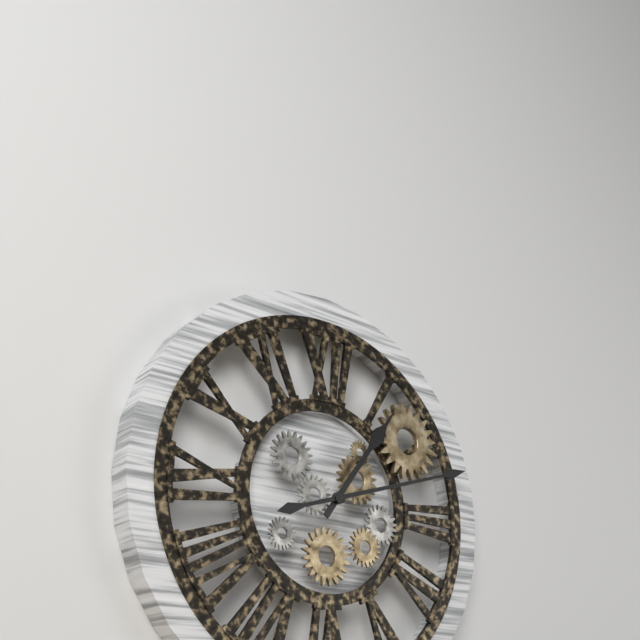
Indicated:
1.12
